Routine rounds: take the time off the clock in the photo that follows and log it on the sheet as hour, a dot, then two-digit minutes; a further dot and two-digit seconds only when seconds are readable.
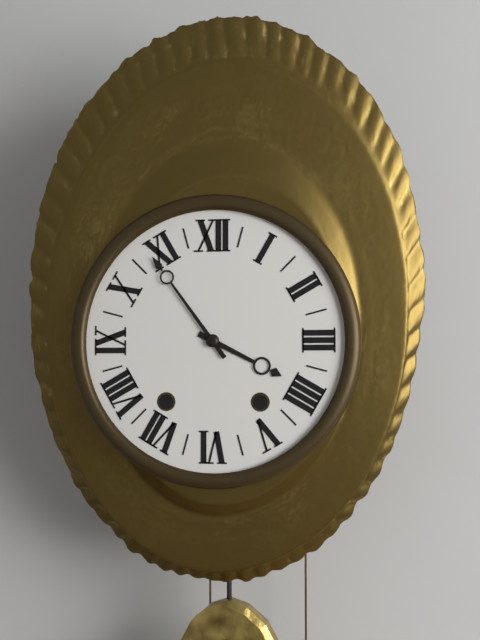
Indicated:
3.54
